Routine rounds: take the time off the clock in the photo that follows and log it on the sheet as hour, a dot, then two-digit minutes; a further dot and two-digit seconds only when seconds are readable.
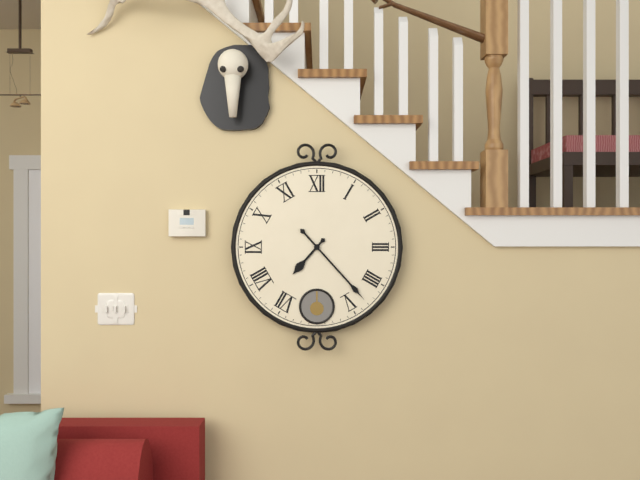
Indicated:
7.23
